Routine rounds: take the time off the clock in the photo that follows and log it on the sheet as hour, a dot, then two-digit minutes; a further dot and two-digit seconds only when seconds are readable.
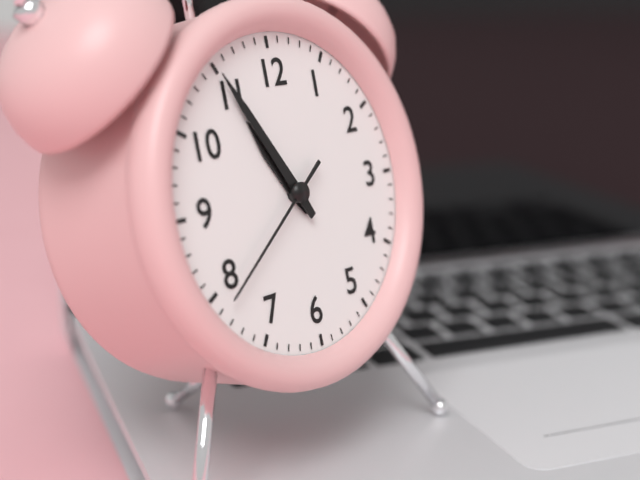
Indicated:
10.55.39
